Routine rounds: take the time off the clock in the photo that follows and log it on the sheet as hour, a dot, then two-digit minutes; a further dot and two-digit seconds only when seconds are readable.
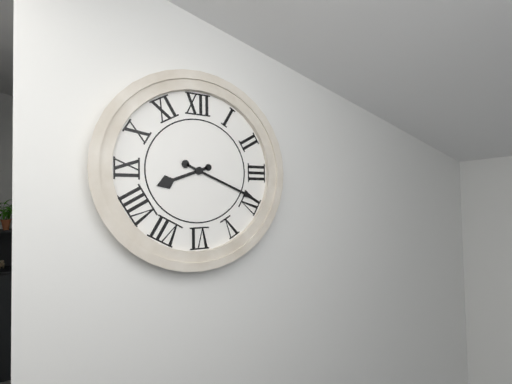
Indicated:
8.19
